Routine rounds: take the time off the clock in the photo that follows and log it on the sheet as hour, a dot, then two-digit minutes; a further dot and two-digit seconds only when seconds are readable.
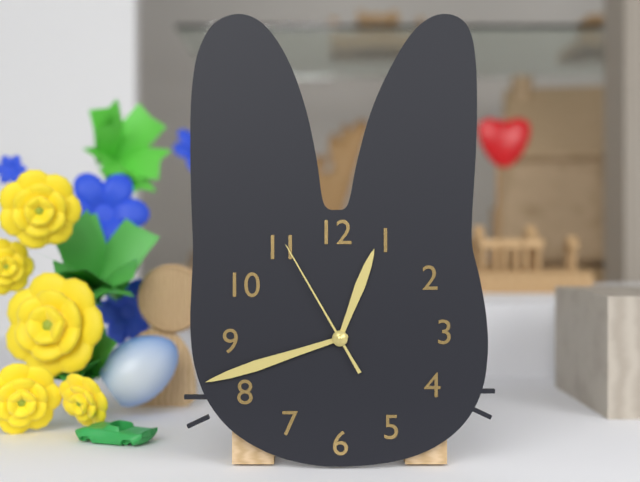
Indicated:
12.42.55
